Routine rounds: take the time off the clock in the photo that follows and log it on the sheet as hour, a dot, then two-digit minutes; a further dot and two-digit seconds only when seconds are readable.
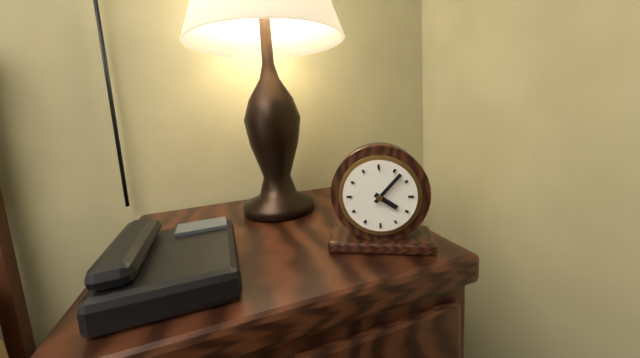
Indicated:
4.07
